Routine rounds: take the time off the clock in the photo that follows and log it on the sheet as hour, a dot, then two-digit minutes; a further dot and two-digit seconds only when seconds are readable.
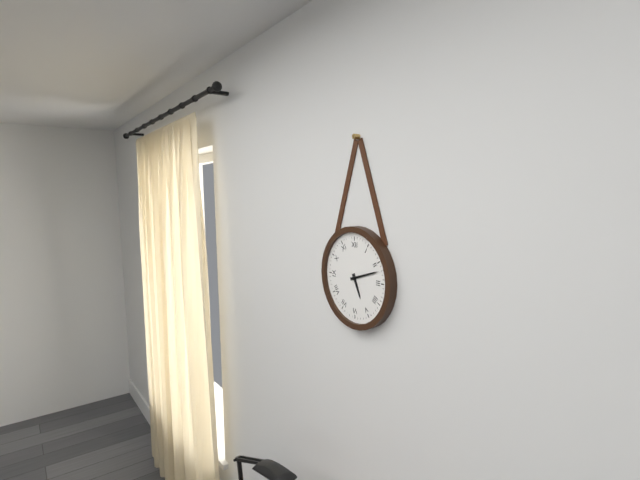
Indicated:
5.12
